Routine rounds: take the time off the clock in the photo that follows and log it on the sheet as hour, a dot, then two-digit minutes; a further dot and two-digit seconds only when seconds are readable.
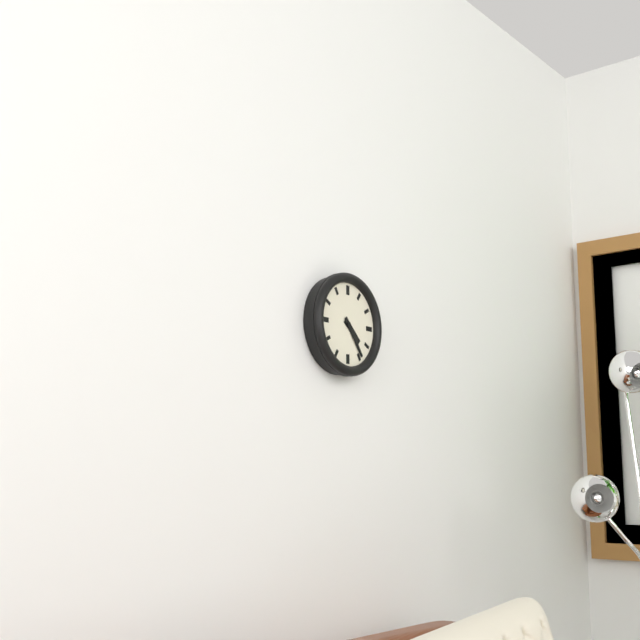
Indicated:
4.24
